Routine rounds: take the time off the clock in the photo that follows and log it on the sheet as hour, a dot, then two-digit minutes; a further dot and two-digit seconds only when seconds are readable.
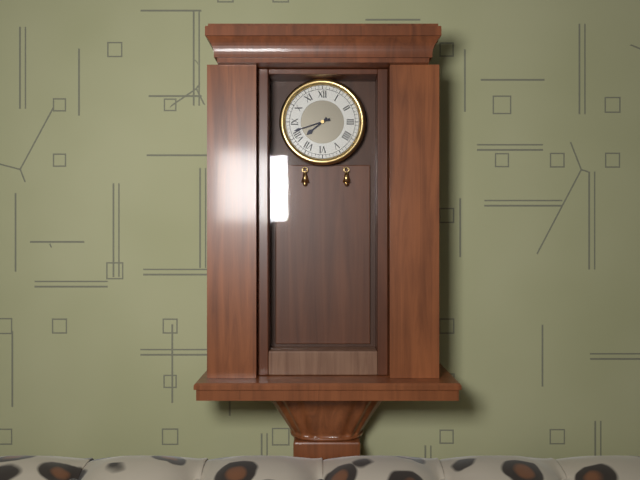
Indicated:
7.42
